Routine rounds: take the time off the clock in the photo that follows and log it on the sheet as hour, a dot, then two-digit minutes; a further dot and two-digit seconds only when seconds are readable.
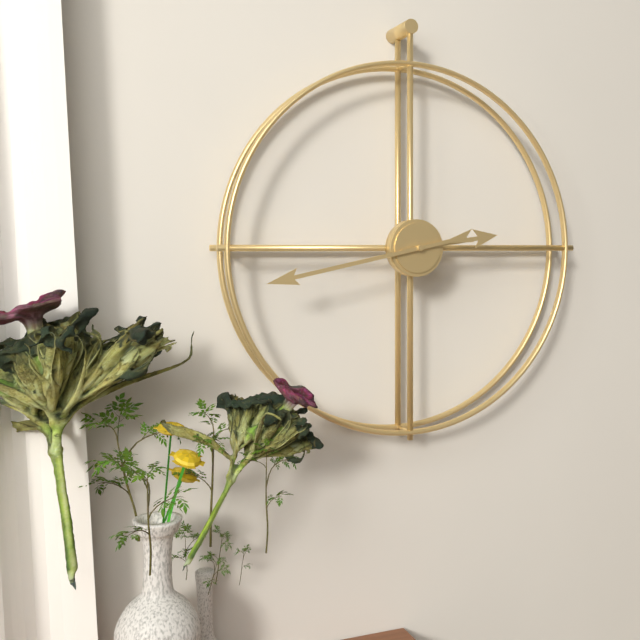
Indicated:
2.43
